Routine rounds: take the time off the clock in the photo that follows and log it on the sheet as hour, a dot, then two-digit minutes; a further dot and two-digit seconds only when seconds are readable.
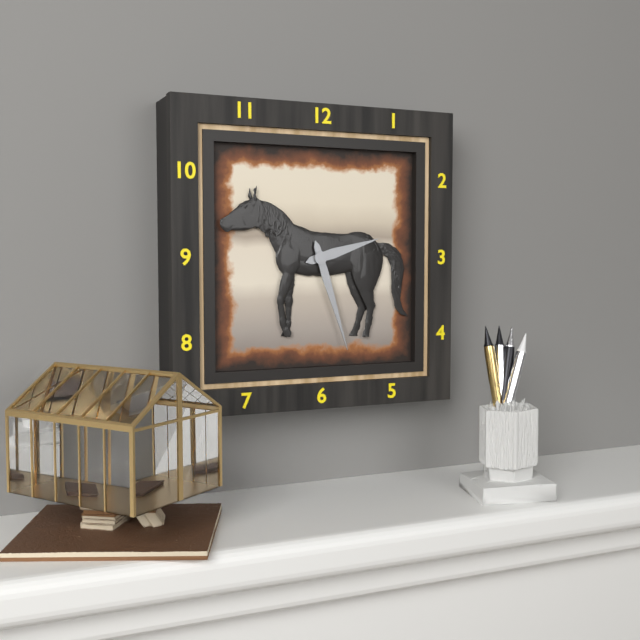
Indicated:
2.27
